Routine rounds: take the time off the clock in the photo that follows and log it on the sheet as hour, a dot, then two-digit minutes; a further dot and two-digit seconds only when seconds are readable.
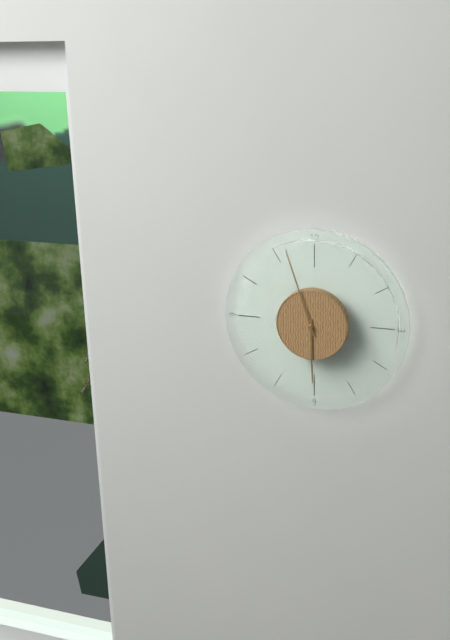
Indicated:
5.57
